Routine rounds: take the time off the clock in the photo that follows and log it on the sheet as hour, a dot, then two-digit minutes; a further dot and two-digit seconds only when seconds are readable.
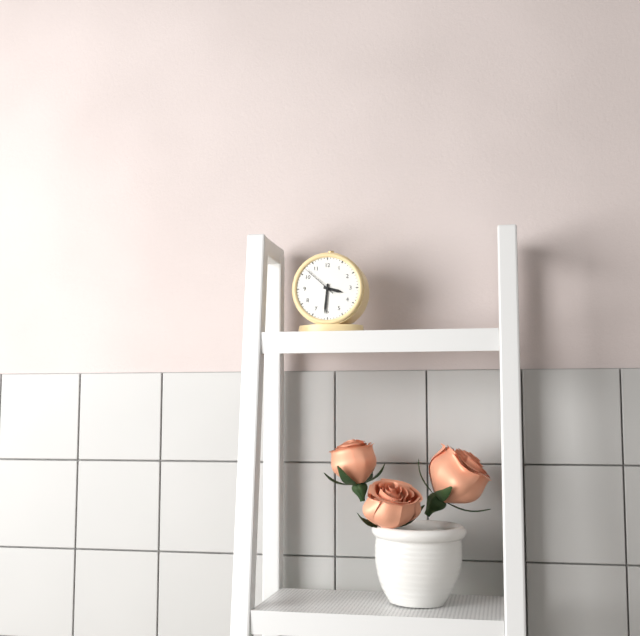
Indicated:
3.31
